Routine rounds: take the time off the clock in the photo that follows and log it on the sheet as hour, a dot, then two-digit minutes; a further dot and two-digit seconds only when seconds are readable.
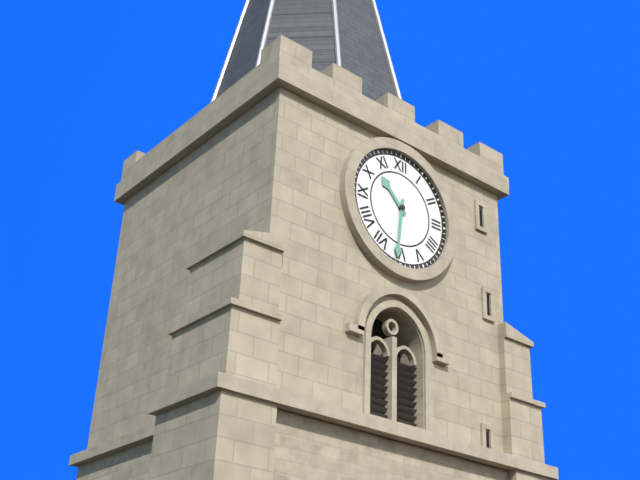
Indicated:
10.31
